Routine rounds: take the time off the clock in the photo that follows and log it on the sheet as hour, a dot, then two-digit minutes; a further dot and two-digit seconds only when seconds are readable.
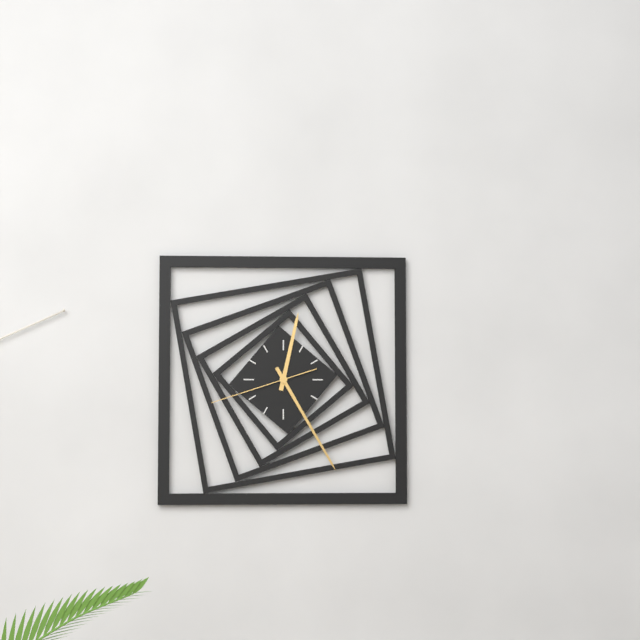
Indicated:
12.25.42
